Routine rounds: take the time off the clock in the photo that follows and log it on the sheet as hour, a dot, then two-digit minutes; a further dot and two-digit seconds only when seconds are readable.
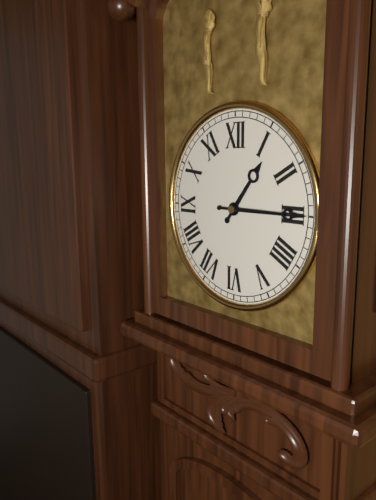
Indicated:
1.15
